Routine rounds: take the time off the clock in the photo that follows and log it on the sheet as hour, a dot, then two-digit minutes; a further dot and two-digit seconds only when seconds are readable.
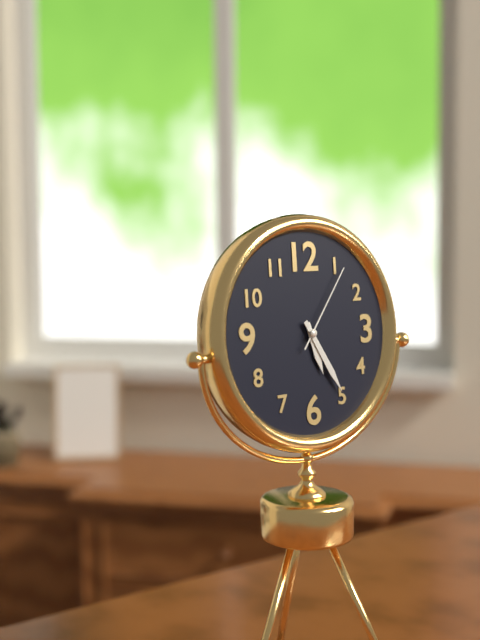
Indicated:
5.25.06
